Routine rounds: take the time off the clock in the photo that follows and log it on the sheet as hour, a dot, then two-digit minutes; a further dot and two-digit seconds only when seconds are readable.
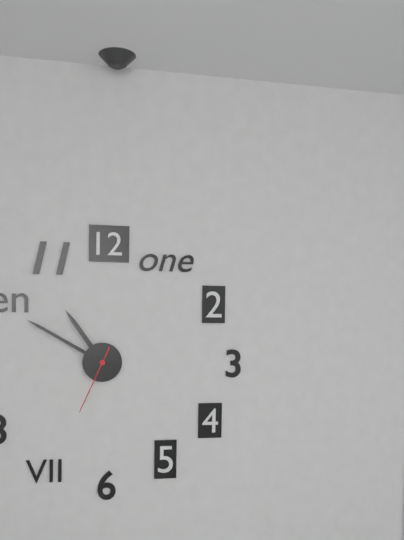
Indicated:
10.50.34
